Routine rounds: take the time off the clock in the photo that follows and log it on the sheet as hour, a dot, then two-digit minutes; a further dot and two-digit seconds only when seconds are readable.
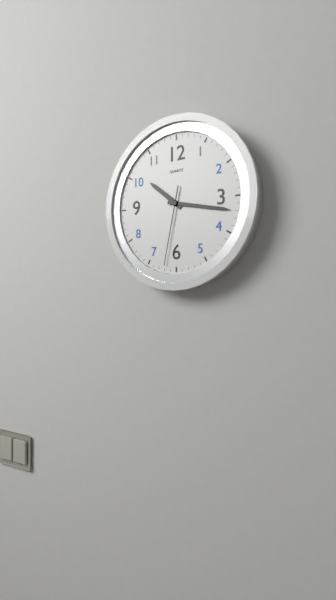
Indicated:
10.17.32
